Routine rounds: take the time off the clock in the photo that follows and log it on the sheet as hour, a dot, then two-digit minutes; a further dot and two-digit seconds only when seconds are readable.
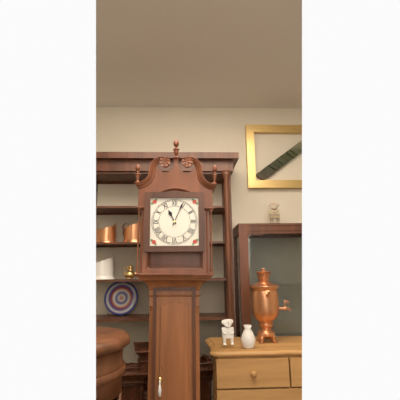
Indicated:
11.04
